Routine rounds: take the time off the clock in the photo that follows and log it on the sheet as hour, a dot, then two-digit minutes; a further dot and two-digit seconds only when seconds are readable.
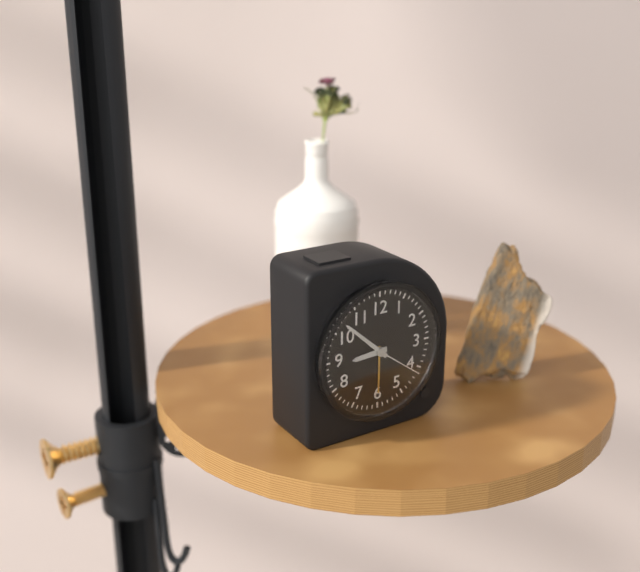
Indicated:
8.52.21
